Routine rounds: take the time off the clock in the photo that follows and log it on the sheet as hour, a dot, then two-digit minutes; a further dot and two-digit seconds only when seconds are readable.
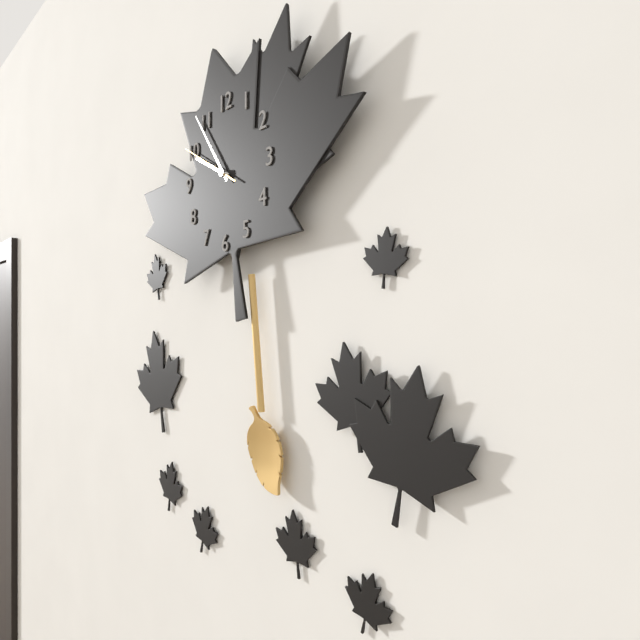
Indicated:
9.54.50
